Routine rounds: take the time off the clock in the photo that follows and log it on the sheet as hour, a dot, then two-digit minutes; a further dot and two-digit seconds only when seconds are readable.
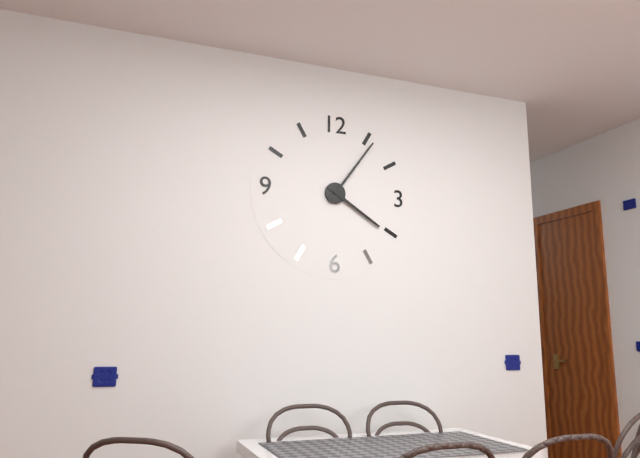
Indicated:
4.06
